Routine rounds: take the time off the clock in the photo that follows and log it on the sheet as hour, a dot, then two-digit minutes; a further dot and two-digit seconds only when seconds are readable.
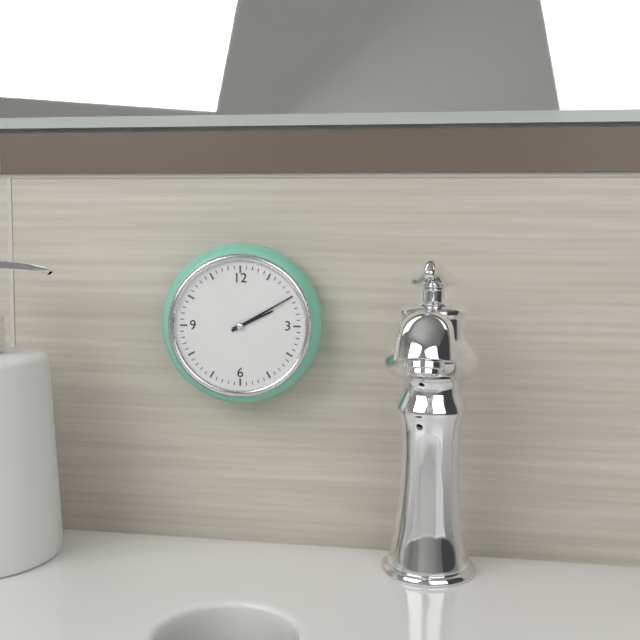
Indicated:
2.10
